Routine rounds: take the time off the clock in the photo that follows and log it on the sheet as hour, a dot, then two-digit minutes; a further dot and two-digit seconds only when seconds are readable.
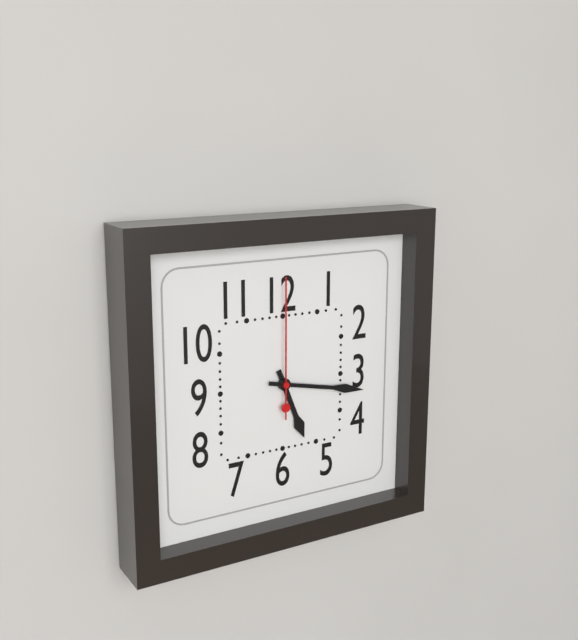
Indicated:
5.17.00
